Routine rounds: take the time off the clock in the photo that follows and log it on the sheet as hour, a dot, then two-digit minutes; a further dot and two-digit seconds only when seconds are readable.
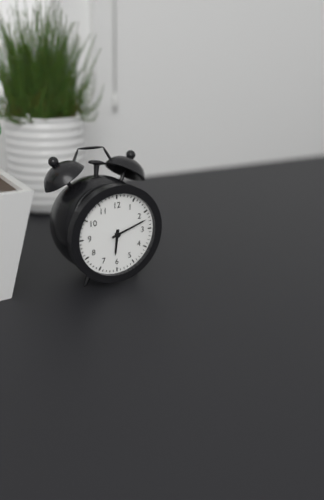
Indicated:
6.12
